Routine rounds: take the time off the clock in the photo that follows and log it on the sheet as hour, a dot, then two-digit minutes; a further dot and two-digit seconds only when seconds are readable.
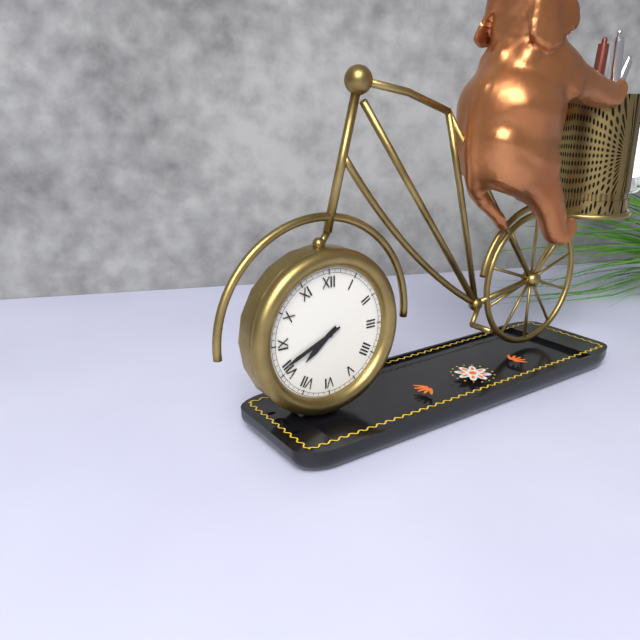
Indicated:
7.41
